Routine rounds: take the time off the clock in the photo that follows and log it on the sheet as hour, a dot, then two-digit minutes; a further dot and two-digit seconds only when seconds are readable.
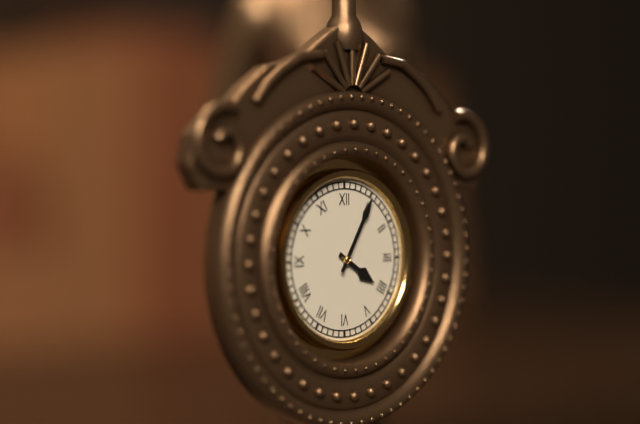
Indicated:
4.05
